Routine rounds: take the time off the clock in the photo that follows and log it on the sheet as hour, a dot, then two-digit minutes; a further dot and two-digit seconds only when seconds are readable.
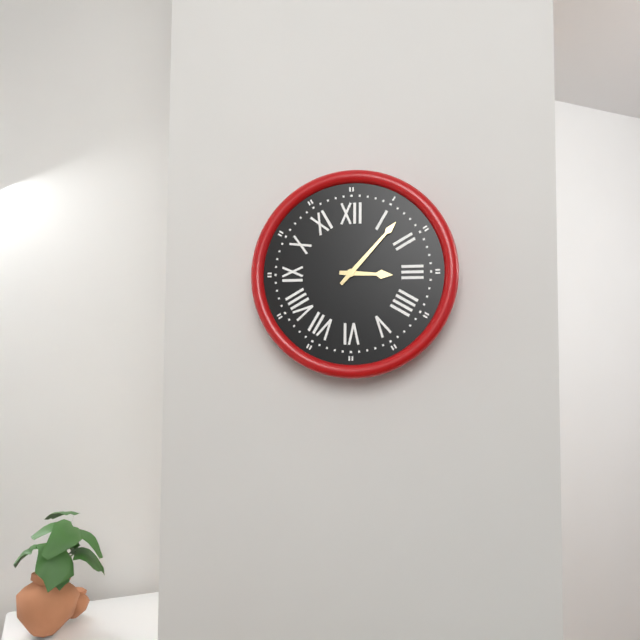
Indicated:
3.07
